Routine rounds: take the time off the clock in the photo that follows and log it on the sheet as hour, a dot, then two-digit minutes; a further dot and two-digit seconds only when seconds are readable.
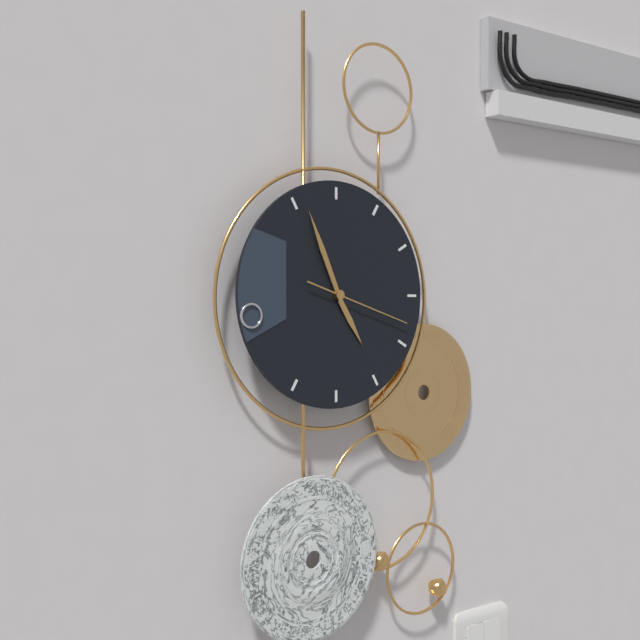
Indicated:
4.56.18
